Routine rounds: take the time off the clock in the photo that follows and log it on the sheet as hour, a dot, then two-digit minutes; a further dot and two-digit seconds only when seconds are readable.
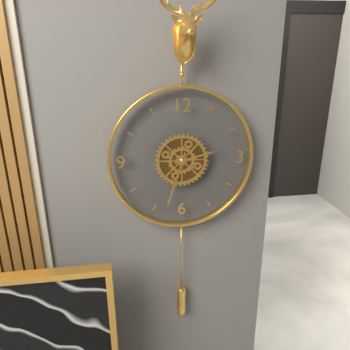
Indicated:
2.33
